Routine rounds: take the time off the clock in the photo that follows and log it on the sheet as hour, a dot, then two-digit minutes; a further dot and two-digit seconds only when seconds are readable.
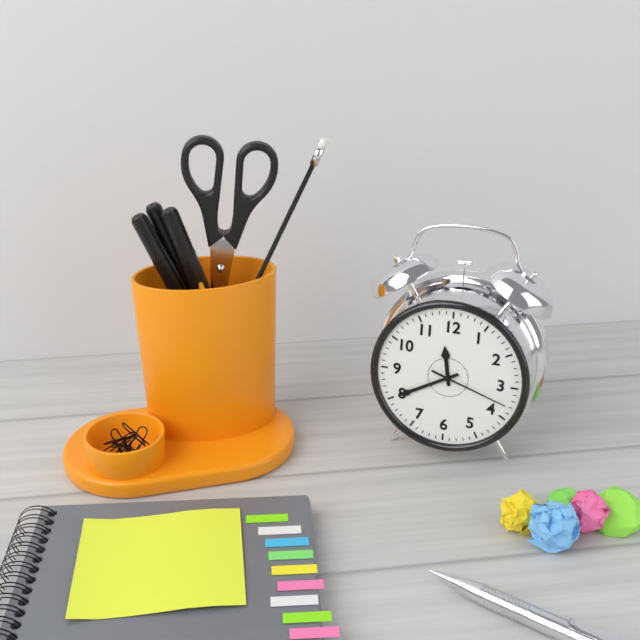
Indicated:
11.40.18
